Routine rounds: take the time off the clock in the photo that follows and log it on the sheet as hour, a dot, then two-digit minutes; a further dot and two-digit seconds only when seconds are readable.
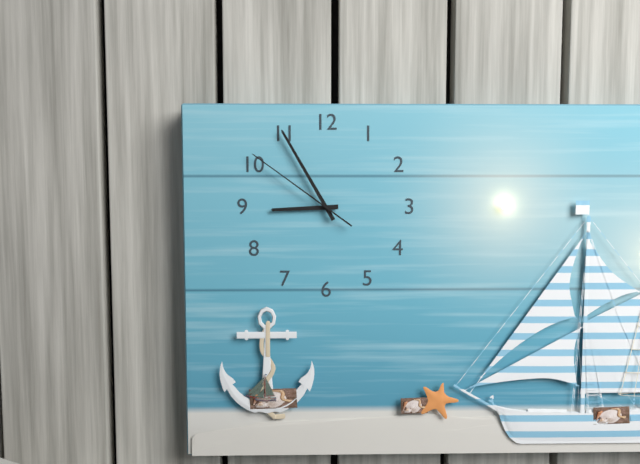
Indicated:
8.55.51
